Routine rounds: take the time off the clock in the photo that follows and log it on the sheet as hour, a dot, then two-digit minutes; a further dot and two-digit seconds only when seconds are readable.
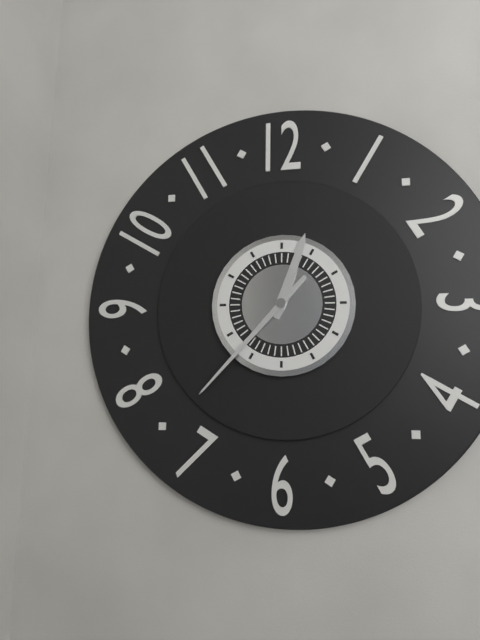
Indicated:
12.37
